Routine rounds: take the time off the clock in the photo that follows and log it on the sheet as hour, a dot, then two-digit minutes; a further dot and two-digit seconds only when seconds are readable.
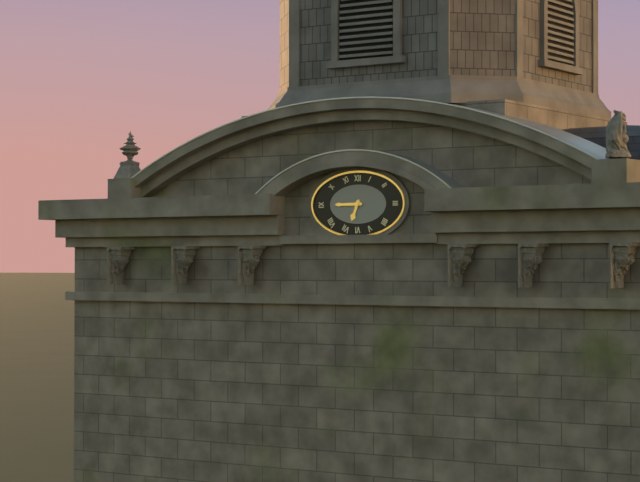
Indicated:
6.45
